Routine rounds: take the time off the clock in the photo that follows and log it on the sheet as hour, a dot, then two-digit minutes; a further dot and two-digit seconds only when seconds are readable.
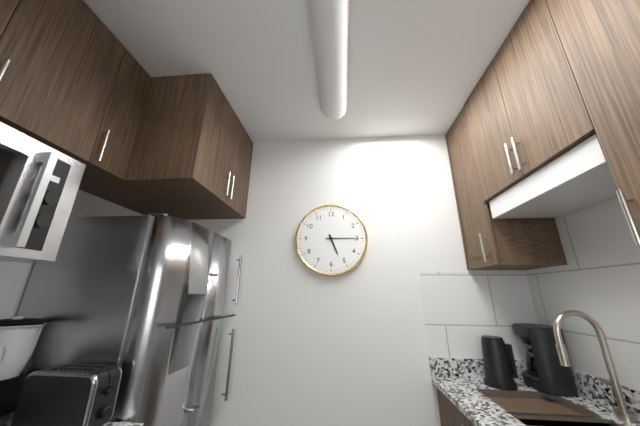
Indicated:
5.15
